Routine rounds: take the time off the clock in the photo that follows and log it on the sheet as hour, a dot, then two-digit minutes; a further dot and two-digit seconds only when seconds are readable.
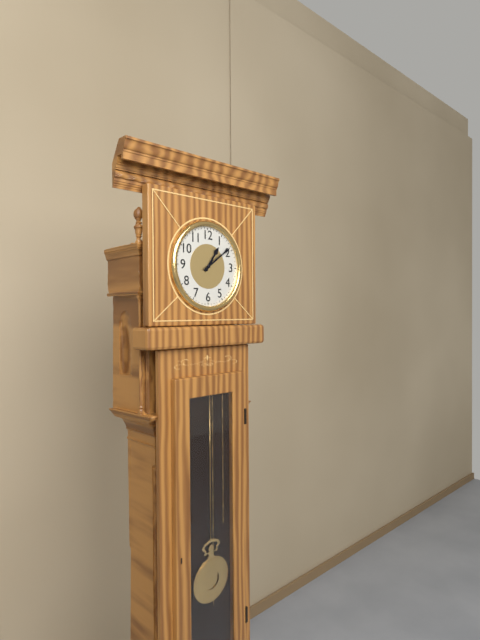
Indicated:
1.09
